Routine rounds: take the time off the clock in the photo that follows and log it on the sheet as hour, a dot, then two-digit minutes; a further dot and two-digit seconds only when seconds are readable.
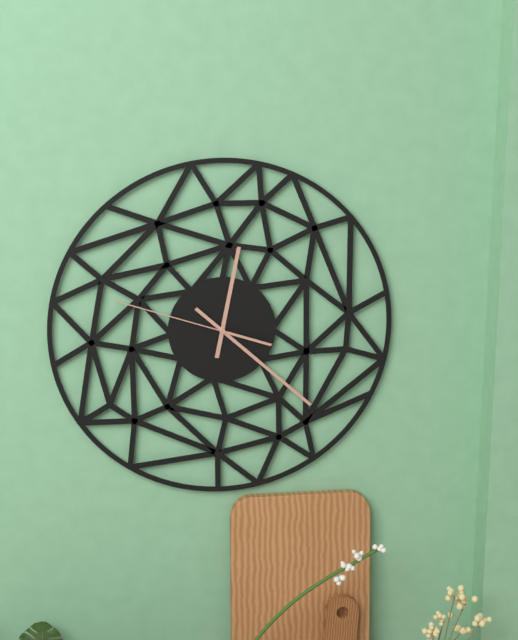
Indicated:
12.22.48
